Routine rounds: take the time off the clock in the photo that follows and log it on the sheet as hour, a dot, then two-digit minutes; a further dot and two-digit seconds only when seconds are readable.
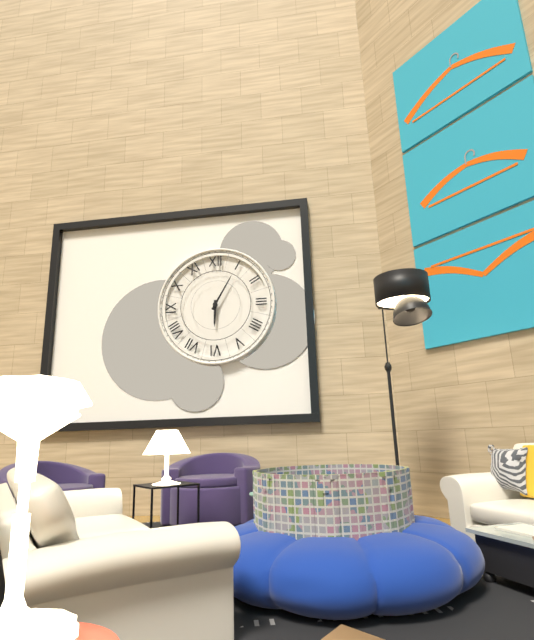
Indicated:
6.05
